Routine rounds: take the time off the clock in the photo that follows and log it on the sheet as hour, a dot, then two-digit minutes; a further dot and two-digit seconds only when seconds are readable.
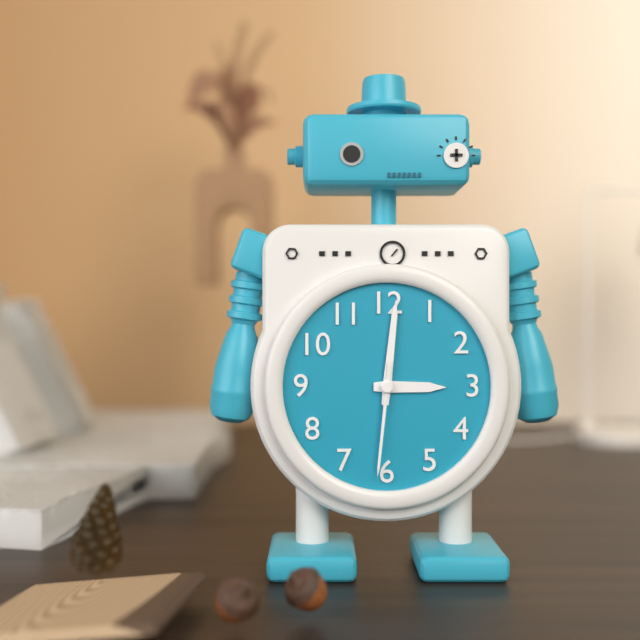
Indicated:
3.01.31
